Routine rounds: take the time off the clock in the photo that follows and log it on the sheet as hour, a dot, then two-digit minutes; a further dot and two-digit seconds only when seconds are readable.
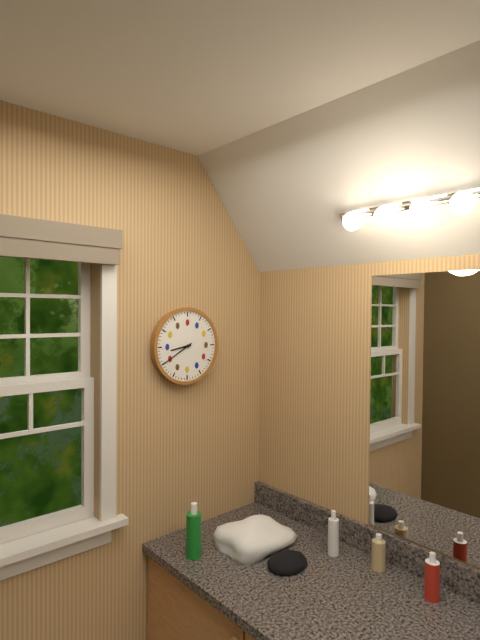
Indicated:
8.40
